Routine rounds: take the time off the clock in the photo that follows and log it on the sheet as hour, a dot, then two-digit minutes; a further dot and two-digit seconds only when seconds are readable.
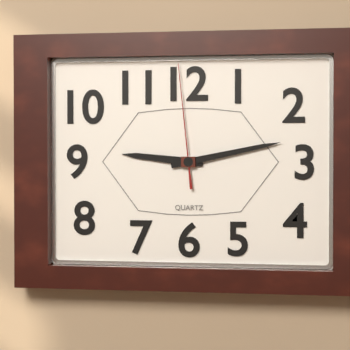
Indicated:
9.13.59
